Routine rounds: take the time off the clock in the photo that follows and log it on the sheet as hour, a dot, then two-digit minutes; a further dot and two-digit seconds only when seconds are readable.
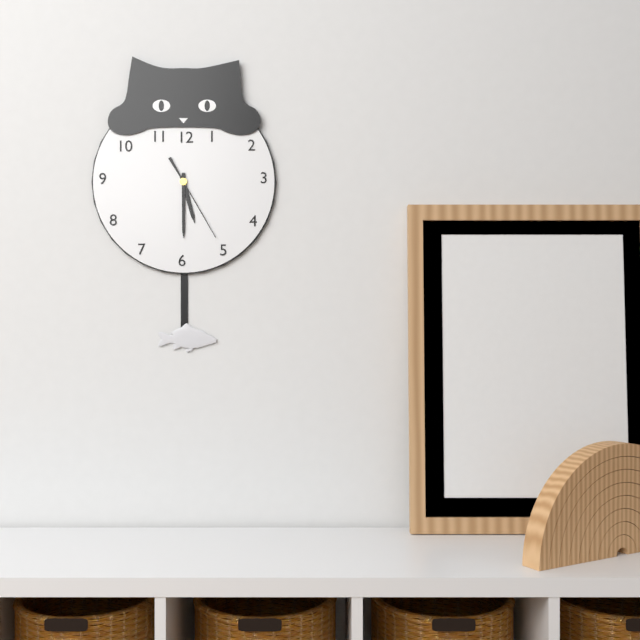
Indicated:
5.30.25
